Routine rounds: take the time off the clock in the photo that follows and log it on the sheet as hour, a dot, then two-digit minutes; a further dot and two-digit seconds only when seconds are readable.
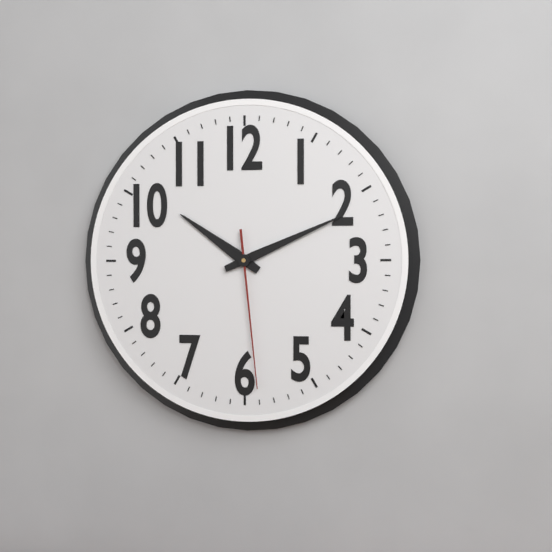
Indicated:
10.11.29
